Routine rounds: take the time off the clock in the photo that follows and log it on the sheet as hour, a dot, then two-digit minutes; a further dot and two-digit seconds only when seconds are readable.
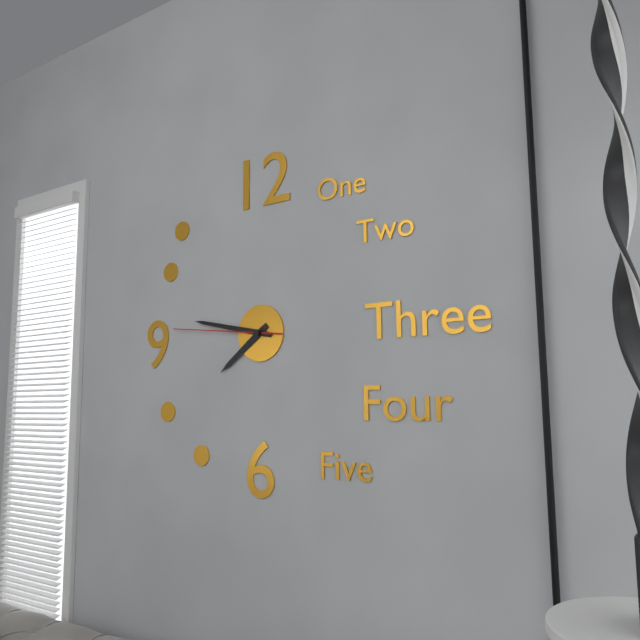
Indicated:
7.47.46
